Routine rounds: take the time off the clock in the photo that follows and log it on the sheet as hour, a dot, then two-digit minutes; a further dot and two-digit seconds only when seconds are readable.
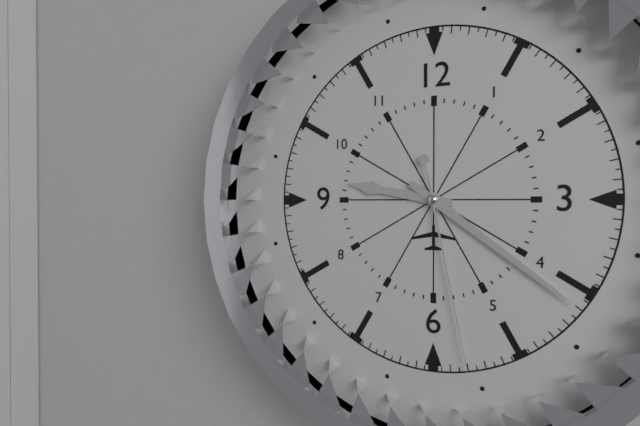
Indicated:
9.21.28
